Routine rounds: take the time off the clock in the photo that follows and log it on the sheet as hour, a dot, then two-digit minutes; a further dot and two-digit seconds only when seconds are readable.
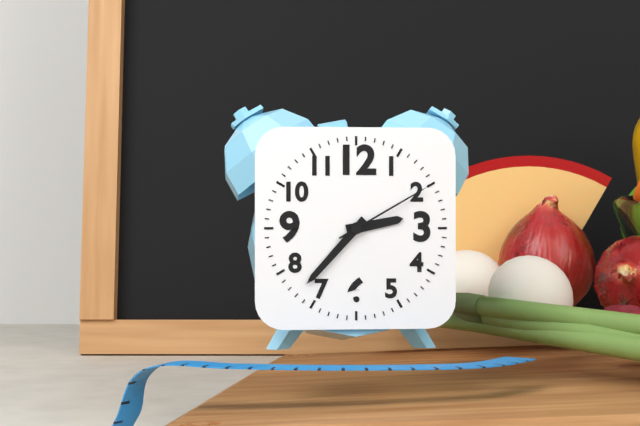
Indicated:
2.37.10
